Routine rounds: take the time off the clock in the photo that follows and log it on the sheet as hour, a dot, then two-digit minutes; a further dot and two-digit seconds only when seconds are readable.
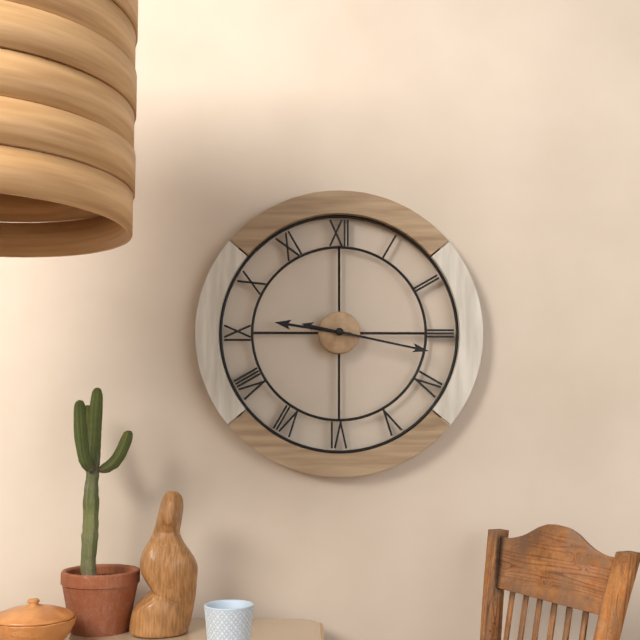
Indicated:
9.17
